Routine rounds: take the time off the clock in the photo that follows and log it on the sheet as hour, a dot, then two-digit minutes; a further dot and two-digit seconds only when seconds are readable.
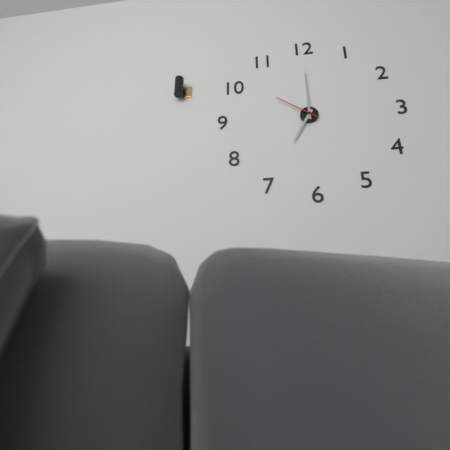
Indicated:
7.00
